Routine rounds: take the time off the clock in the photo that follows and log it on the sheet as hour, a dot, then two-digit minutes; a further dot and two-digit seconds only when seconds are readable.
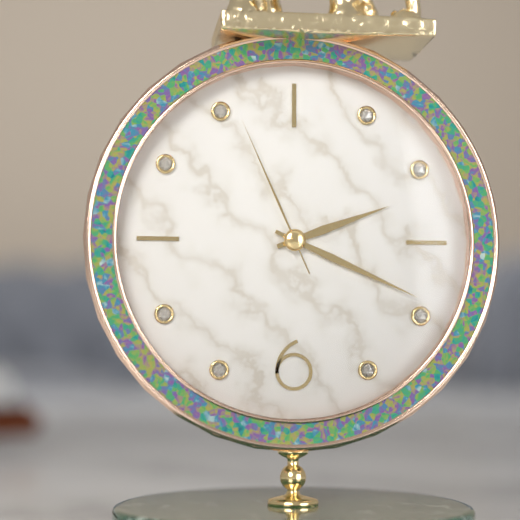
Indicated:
2.19.56
